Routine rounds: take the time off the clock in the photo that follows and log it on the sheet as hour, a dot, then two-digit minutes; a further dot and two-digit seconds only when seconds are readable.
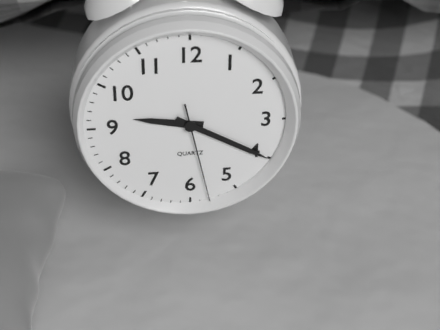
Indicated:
9.20.28
